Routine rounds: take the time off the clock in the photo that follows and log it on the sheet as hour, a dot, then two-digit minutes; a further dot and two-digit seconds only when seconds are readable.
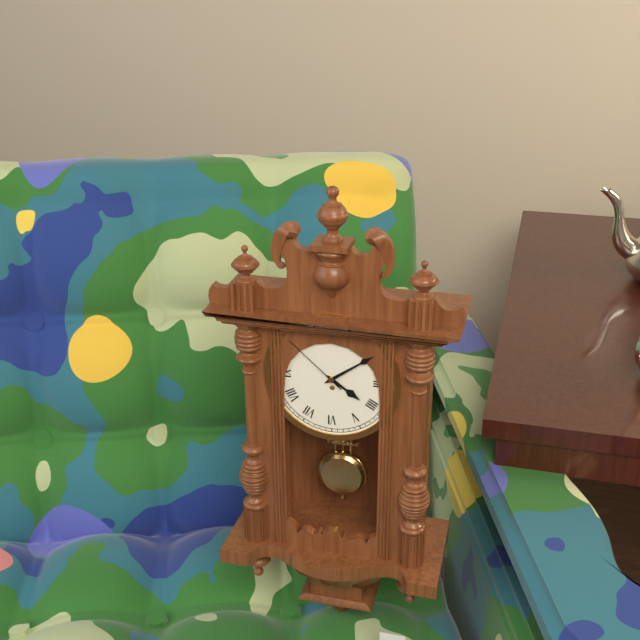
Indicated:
4.09.52
